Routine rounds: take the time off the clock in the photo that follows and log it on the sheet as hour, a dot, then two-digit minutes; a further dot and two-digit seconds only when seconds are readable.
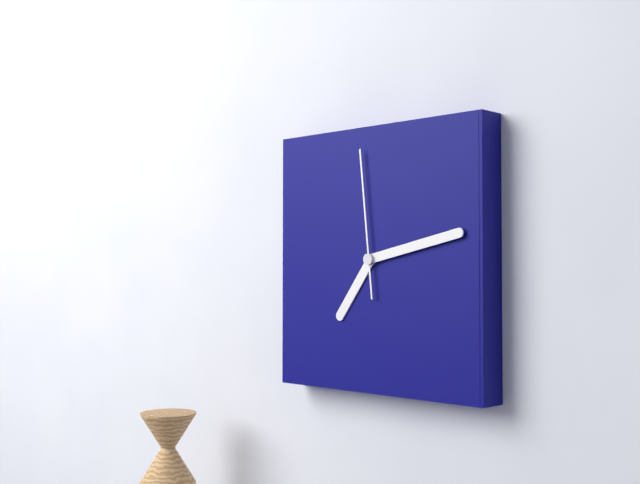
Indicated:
7.13.59
